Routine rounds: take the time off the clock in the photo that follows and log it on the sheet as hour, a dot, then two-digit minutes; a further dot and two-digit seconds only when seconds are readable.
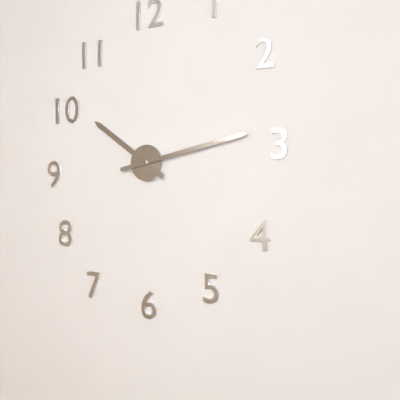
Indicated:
10.13
